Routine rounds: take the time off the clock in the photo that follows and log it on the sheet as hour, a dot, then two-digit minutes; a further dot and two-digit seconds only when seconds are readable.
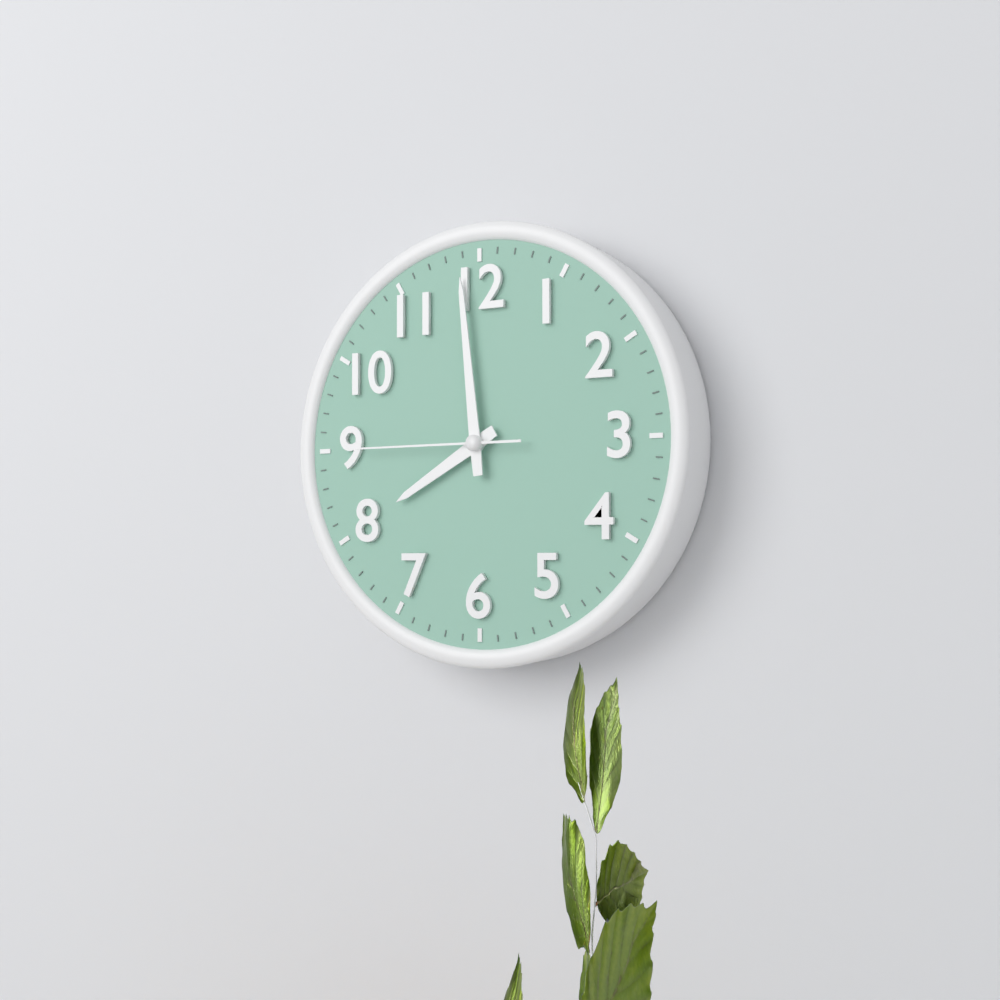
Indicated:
7.59.45
